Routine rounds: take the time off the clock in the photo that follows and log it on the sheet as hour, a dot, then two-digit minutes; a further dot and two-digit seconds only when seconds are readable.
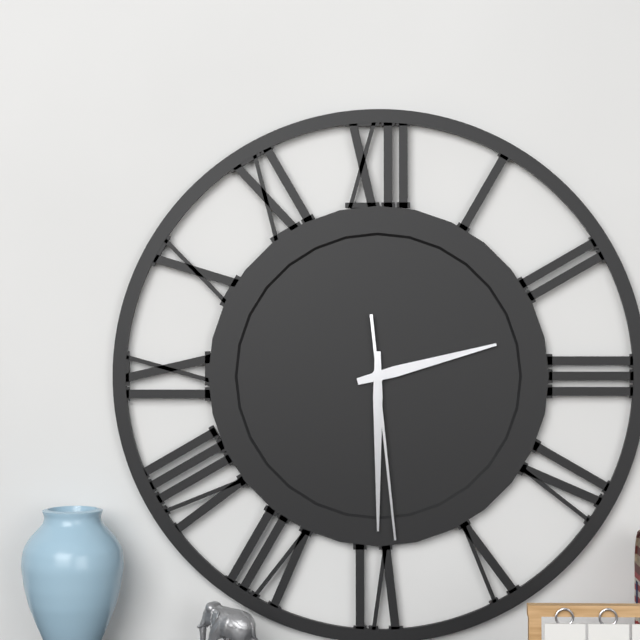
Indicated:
2.30.29
